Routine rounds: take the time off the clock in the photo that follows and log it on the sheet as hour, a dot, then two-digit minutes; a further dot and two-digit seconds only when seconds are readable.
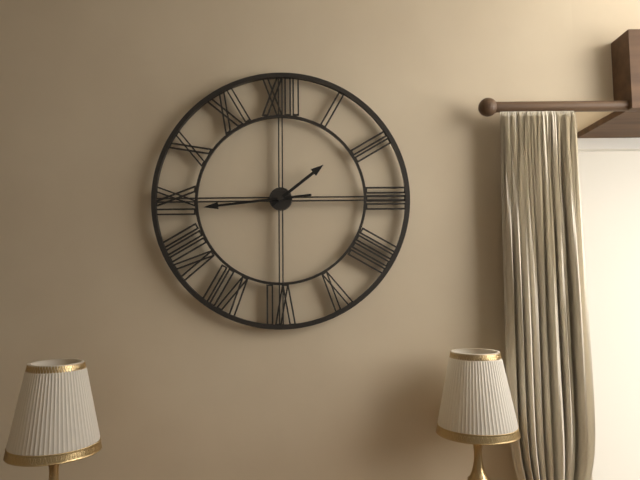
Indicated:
1.44
